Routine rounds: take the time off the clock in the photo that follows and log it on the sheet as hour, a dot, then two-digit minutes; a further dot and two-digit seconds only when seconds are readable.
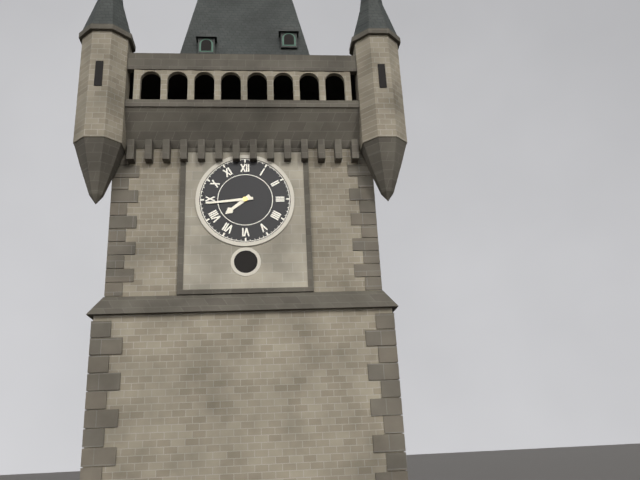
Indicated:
7.44
